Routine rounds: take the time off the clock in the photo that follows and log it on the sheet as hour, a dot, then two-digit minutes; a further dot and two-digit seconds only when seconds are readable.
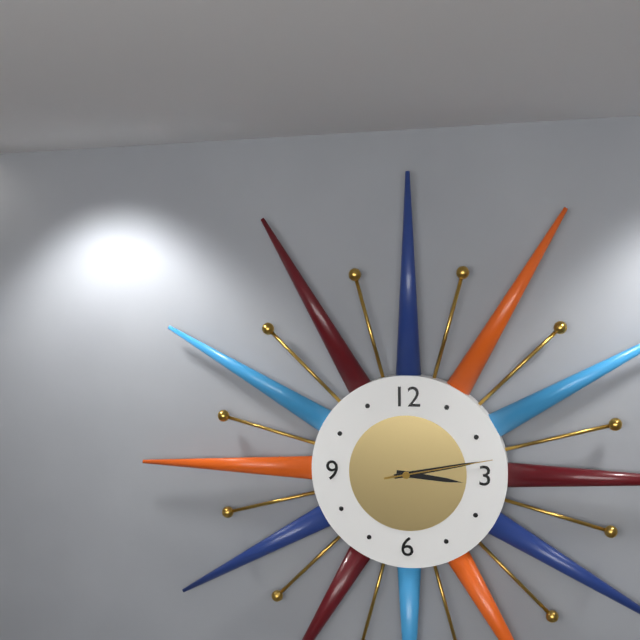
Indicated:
3.13.13
